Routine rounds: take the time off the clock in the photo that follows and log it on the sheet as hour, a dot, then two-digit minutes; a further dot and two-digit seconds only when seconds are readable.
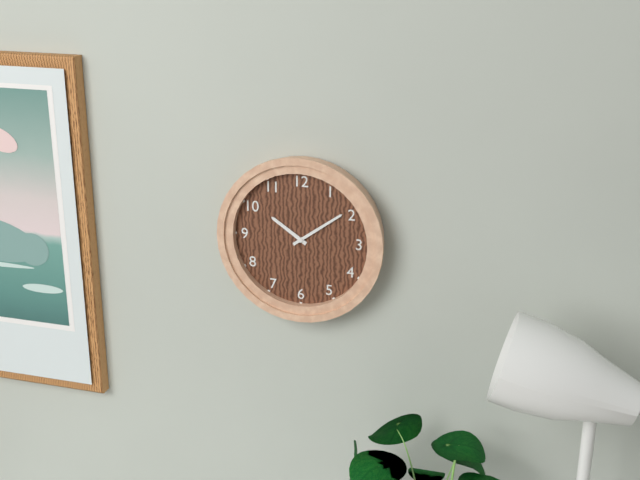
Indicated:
10.09
